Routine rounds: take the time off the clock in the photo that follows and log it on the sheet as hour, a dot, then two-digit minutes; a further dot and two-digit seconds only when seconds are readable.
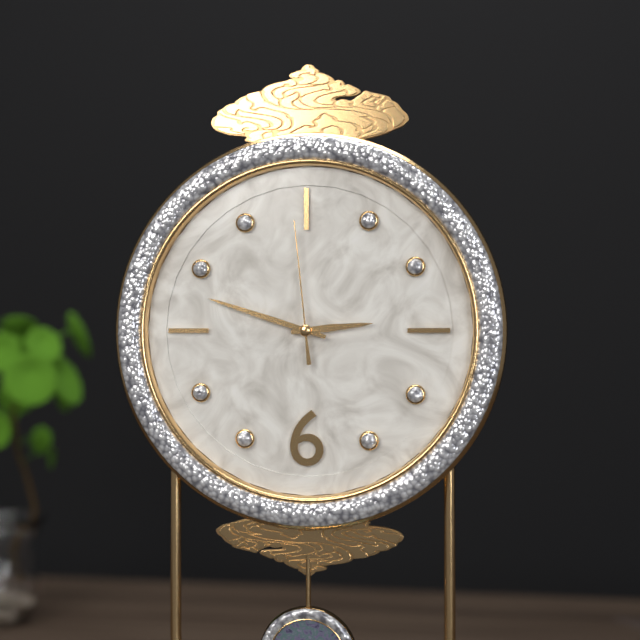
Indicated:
2.48.59
